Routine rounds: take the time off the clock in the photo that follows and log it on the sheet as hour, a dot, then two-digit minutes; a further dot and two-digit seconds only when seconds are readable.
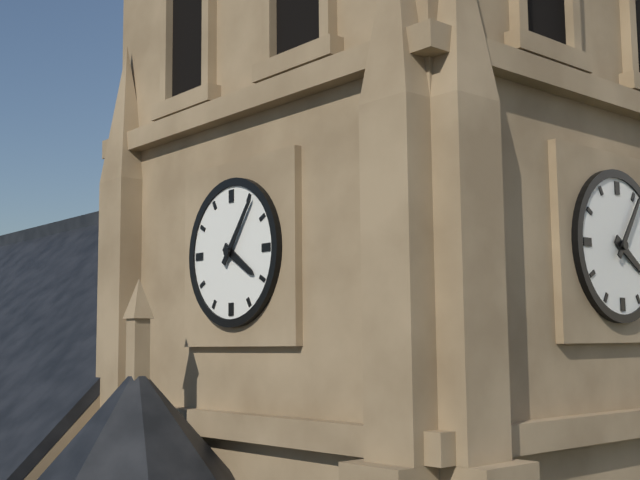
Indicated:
4.06
